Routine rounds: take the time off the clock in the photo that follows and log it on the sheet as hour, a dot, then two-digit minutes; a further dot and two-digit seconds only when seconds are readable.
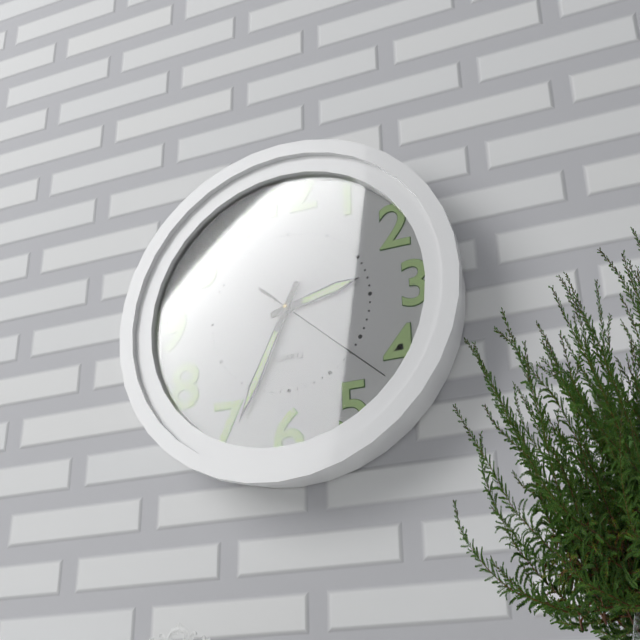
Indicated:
2.34.22
